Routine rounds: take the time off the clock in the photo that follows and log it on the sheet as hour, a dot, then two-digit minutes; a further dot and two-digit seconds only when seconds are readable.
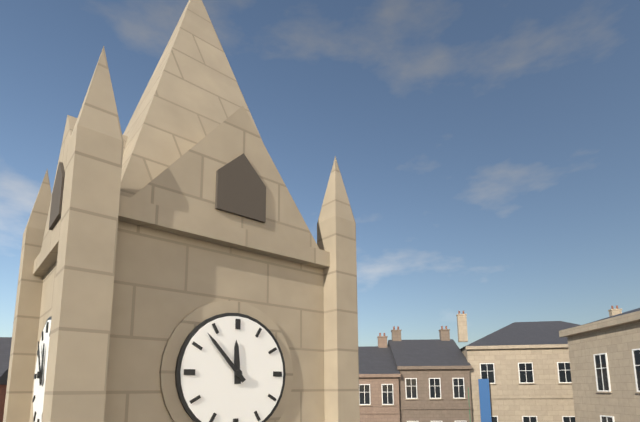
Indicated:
11.53
